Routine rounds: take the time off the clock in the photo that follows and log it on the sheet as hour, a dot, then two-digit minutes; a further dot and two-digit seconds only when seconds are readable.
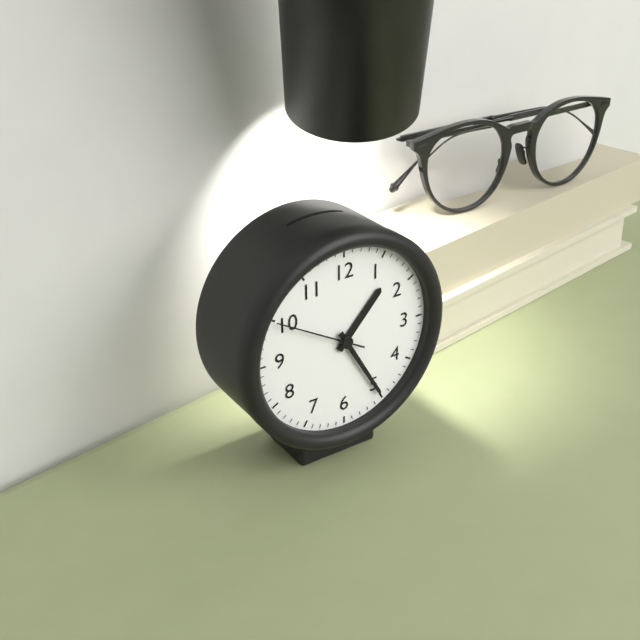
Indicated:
1.25.50
